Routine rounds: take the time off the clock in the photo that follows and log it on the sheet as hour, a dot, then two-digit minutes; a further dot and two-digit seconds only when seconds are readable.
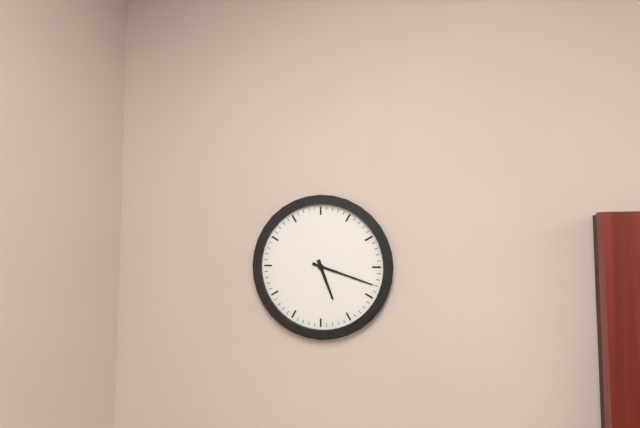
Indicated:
5.18
